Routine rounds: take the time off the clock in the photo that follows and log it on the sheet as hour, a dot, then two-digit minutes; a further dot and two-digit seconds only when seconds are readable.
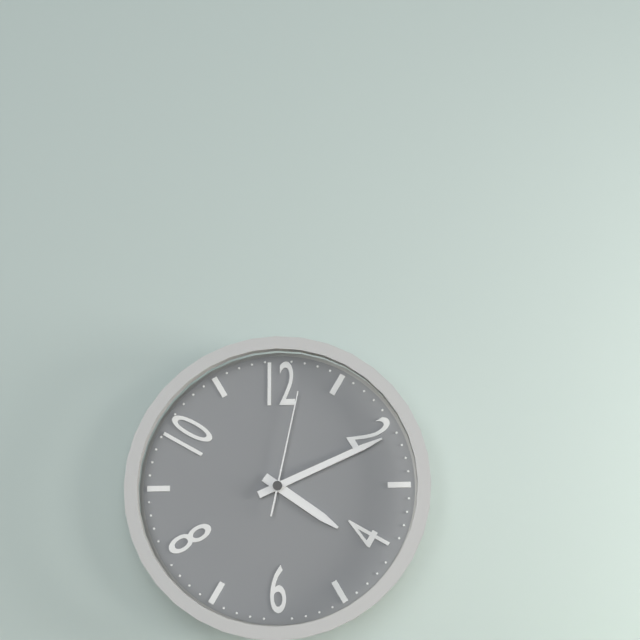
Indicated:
4.11.02
